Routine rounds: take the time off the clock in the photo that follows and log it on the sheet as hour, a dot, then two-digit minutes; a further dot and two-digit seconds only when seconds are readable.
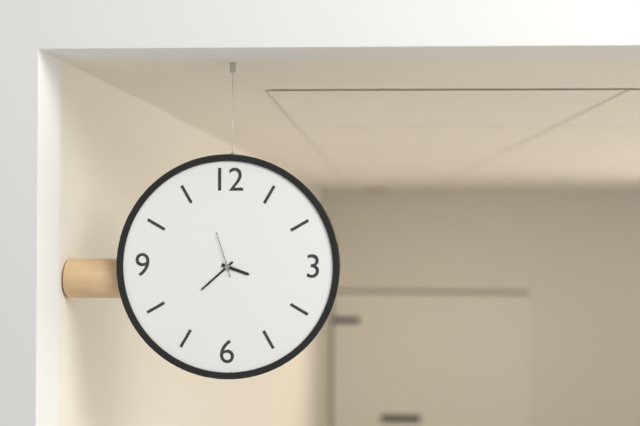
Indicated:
3.38
